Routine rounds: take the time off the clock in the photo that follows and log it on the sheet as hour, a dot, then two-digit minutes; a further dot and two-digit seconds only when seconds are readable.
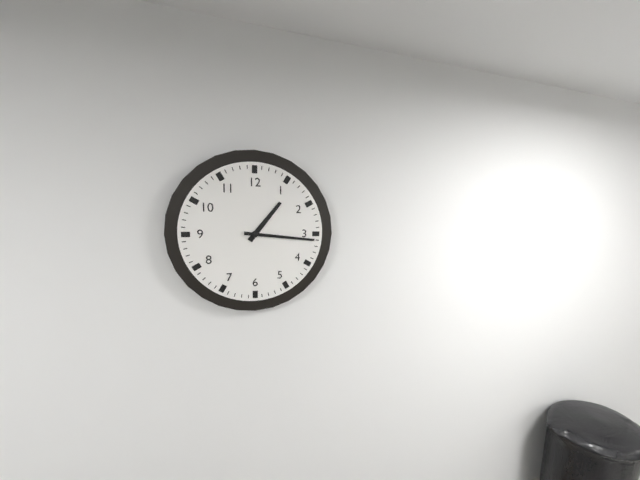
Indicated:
1.16
